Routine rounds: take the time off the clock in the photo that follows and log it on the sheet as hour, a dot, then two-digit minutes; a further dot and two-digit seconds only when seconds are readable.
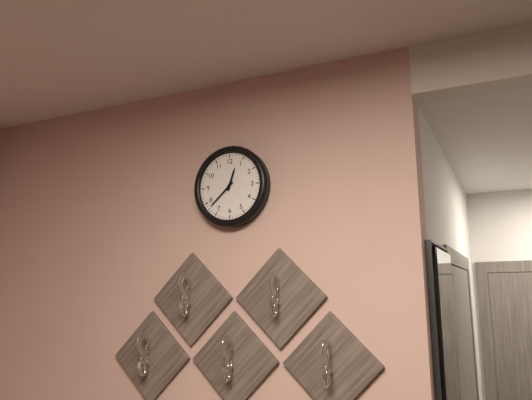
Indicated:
12.38
